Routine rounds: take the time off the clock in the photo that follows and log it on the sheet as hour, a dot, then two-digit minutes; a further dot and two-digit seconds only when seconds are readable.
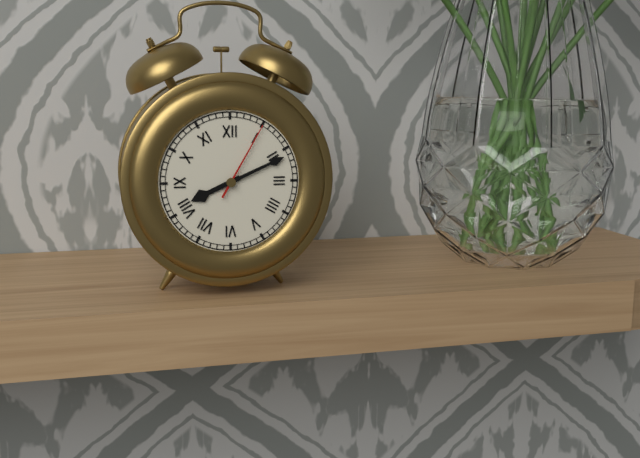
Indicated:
8.11.05
